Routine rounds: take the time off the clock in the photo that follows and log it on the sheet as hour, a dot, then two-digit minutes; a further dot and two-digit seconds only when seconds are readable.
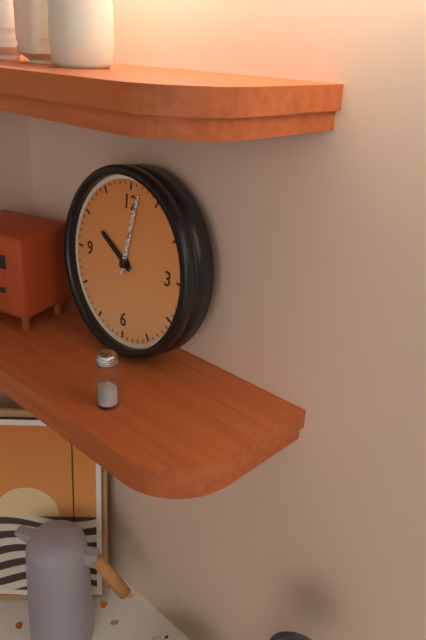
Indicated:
10.02
